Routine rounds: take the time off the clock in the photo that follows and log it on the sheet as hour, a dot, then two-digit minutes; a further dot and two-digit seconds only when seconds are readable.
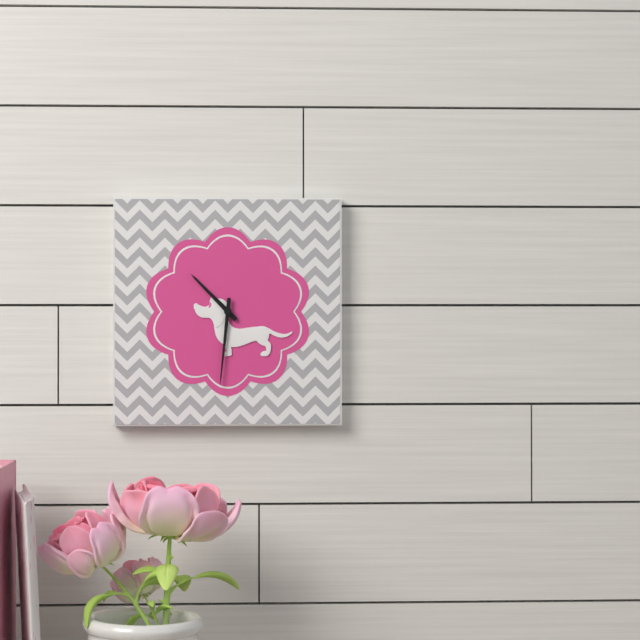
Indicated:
10.31
